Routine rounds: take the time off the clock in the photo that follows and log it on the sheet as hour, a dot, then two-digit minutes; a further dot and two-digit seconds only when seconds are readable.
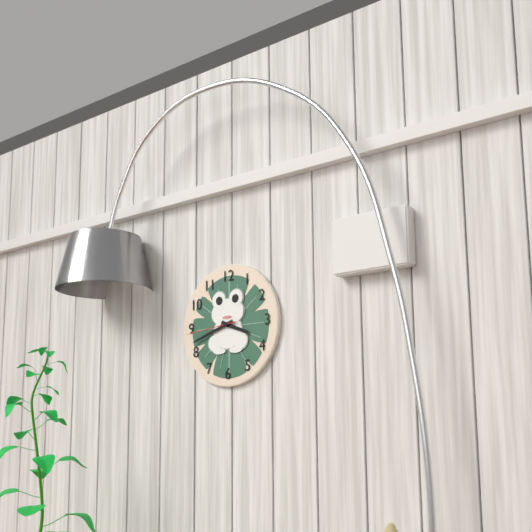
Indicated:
3.42.44
